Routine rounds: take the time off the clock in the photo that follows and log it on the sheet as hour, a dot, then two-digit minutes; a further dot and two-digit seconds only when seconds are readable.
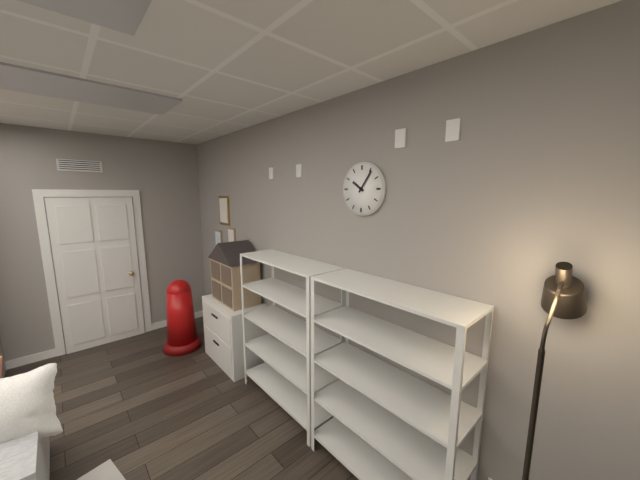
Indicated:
10.06
